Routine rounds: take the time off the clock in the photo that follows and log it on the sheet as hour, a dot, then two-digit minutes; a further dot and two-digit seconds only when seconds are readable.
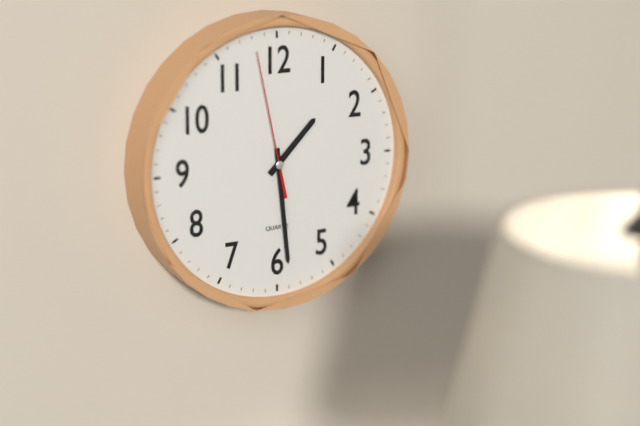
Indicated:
1.29.58
